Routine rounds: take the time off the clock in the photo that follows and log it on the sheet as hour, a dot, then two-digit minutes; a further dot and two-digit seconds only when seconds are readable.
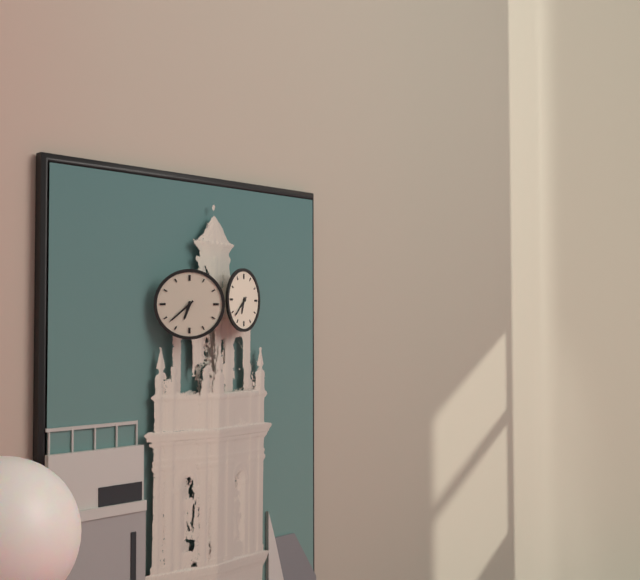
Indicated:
6.38
